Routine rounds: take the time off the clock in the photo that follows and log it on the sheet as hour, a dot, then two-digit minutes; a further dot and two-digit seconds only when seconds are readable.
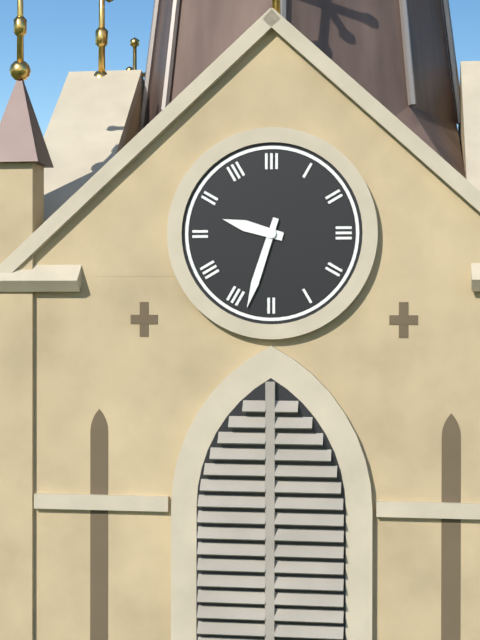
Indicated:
9.33
